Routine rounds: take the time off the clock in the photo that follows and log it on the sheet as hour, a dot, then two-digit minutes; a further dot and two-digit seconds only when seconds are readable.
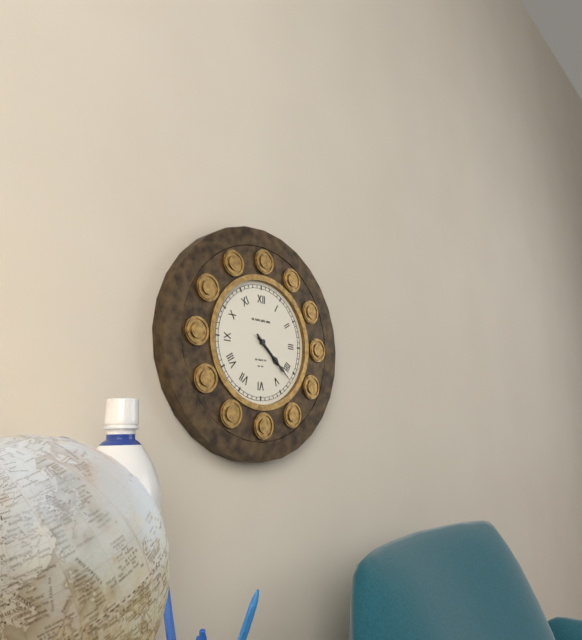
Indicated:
4.22
